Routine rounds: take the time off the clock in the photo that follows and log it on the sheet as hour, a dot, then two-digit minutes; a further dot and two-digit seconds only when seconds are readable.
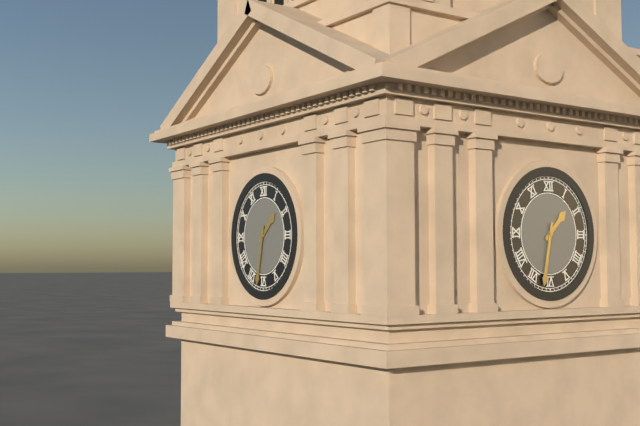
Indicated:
1.32
